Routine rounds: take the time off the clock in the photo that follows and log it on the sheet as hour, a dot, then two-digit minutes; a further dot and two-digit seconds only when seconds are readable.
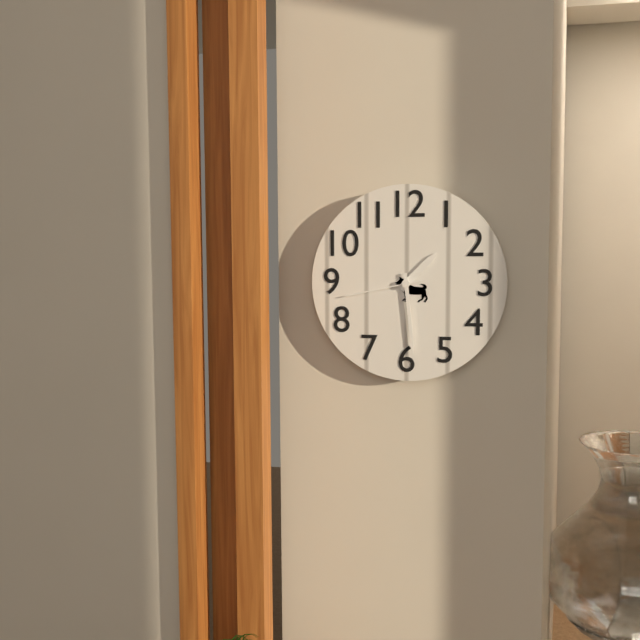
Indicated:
1.29.43
